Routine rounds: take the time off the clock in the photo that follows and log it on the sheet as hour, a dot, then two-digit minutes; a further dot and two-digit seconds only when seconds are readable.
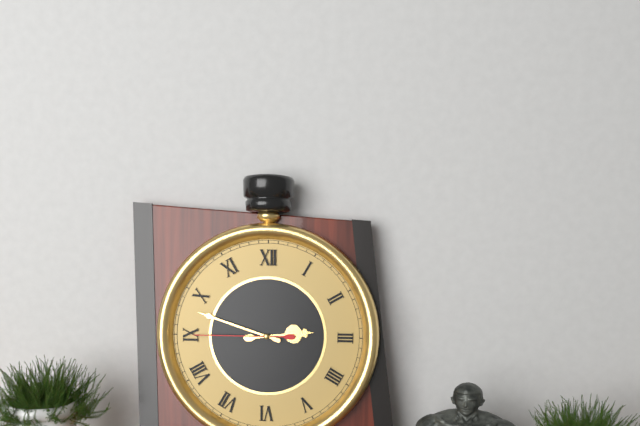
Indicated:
2.48.45
